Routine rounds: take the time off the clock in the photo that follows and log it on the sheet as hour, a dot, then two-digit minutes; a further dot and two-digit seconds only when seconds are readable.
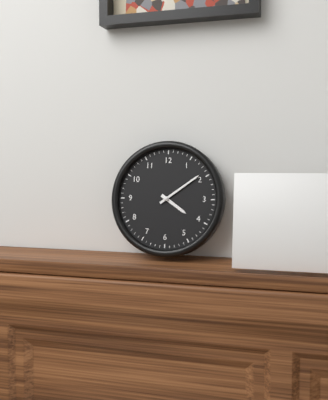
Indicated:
4.09
